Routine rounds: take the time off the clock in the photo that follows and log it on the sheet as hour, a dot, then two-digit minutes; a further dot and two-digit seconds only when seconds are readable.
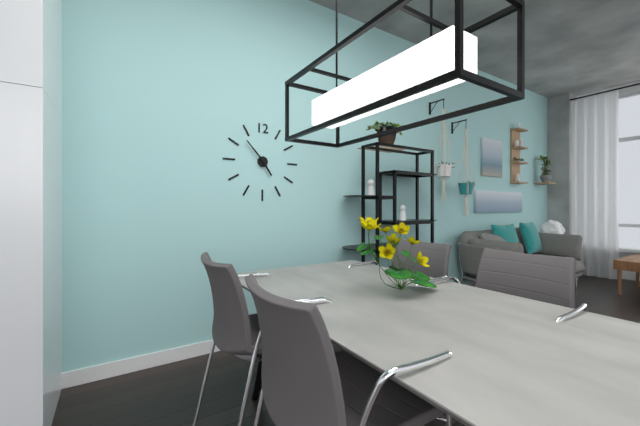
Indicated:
4.53
